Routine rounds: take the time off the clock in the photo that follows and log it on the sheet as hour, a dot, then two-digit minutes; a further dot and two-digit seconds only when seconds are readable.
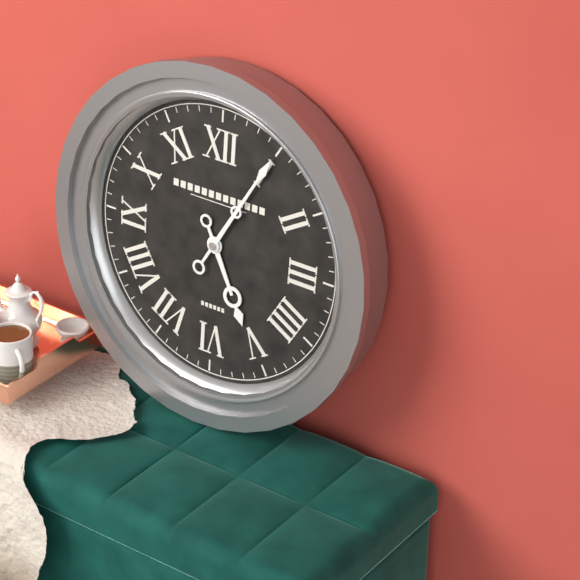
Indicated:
5.05
